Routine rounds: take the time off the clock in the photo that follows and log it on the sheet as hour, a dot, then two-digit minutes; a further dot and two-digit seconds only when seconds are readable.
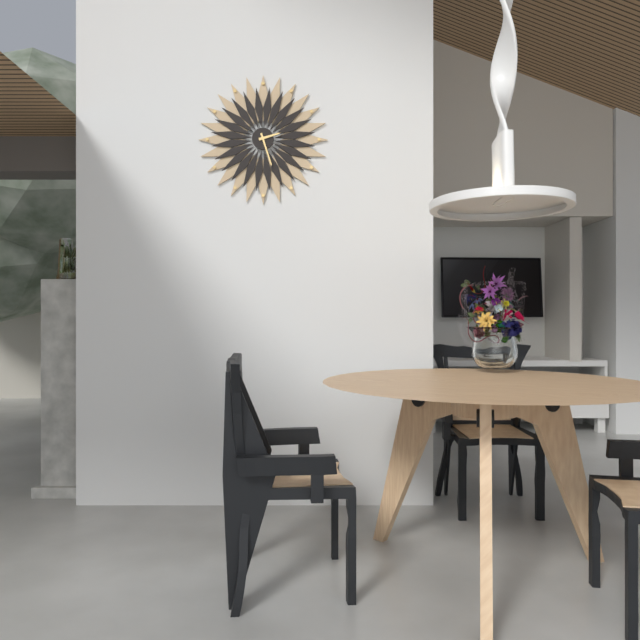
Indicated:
2.27
